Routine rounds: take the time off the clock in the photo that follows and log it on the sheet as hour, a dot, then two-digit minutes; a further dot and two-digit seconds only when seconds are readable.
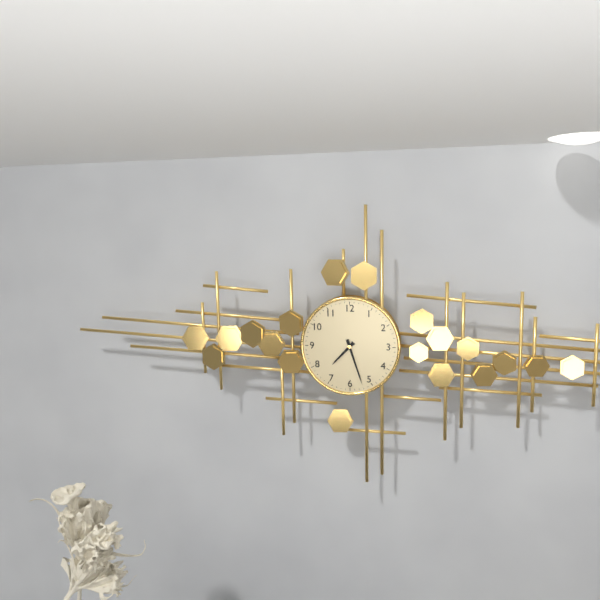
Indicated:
7.27
